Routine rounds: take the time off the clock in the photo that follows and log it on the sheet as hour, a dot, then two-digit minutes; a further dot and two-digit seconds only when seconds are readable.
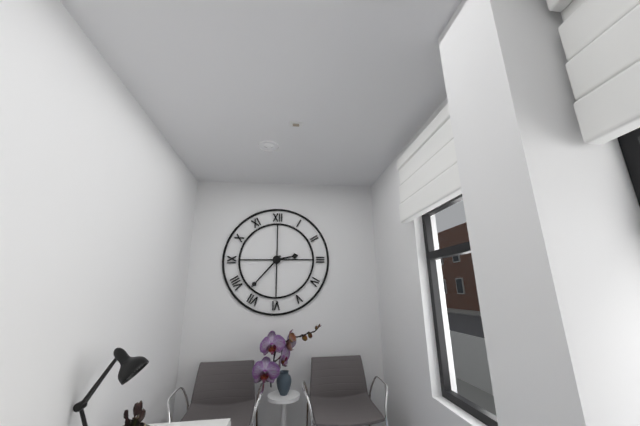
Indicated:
2.37
